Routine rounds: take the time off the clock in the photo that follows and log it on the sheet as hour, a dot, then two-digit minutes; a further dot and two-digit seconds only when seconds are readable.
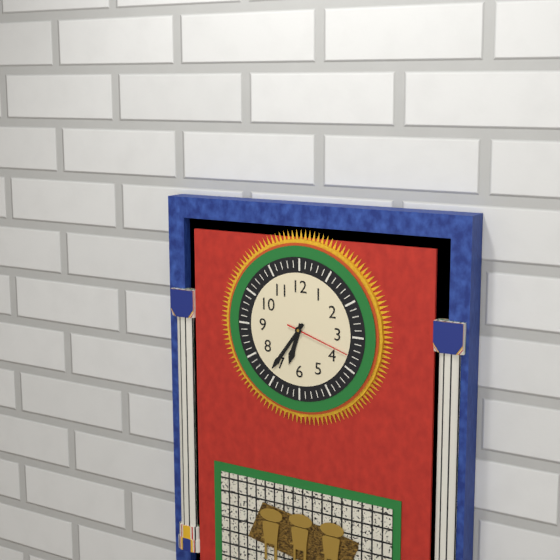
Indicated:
6.36.18
